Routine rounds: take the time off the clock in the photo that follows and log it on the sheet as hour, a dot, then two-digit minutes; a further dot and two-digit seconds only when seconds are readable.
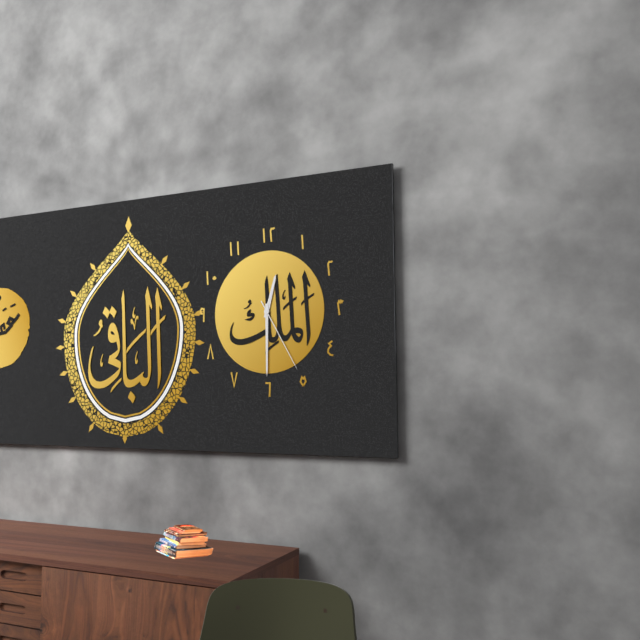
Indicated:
12.30.25
